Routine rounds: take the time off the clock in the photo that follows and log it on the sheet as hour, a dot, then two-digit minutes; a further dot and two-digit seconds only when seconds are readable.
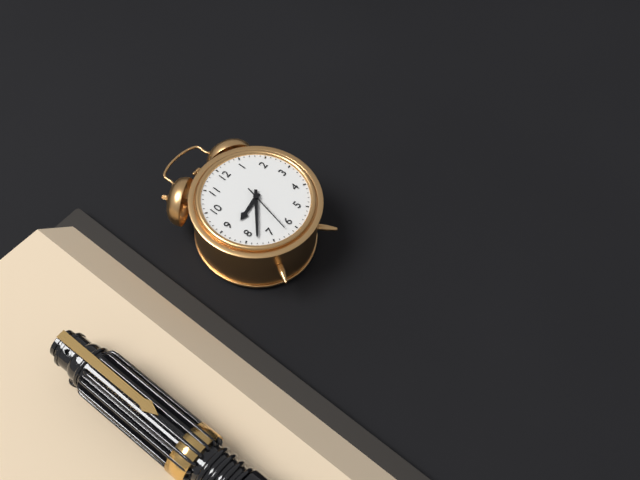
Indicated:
8.38.32
